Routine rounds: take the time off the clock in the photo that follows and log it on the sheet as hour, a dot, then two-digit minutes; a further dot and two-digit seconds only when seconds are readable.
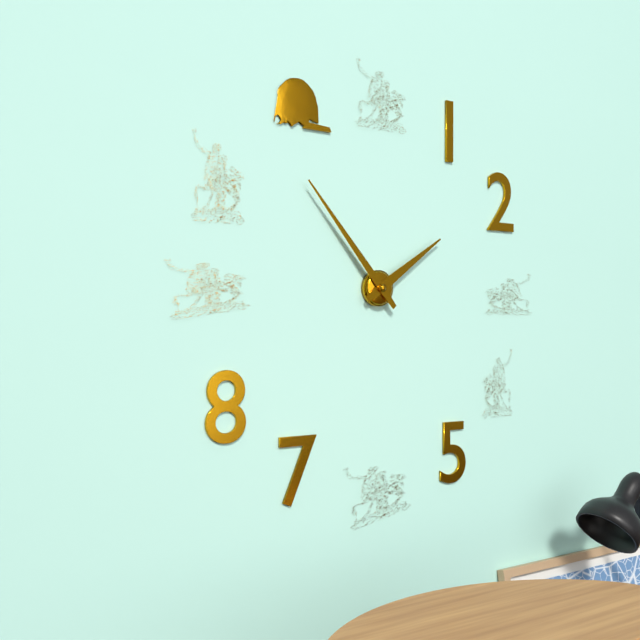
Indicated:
1.53
